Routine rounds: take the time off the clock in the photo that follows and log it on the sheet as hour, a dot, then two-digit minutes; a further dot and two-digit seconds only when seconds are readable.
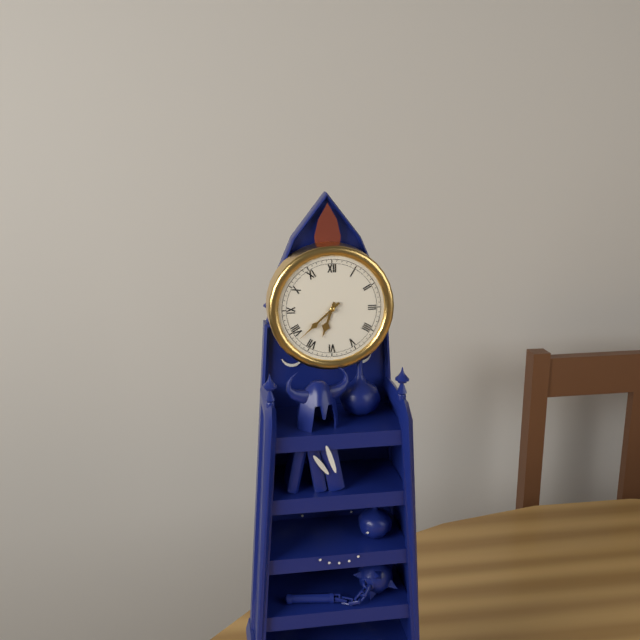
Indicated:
6.38
